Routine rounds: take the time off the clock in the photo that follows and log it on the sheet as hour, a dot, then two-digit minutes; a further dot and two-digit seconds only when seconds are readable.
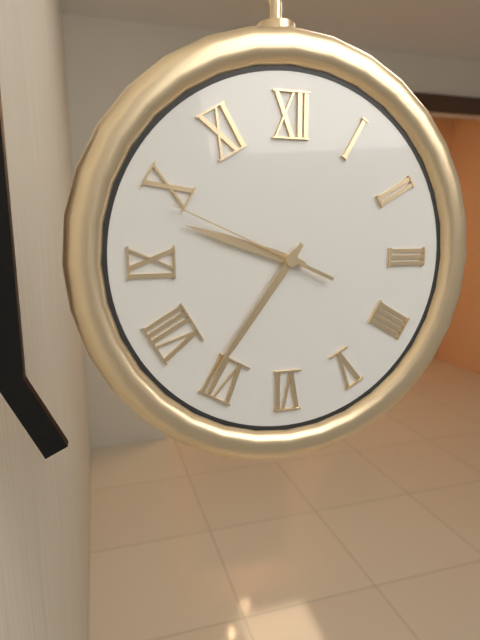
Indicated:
9.36.49
